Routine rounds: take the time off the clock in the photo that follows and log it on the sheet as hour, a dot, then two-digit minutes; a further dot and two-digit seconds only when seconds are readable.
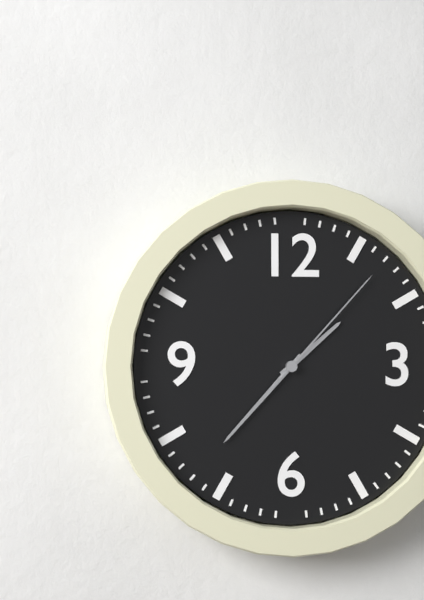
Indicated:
1.37.07
